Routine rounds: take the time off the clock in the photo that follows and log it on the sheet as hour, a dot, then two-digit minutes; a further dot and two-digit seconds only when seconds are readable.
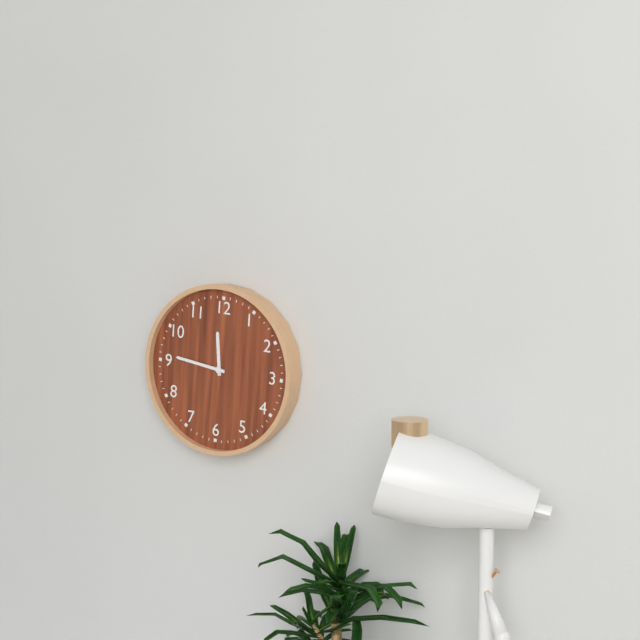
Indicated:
11.46
